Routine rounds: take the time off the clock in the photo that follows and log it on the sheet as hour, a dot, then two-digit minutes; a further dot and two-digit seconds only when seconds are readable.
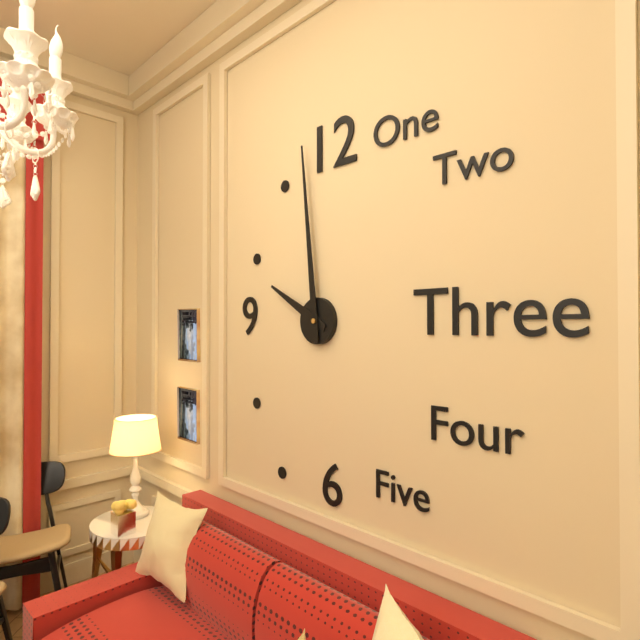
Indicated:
9.59
